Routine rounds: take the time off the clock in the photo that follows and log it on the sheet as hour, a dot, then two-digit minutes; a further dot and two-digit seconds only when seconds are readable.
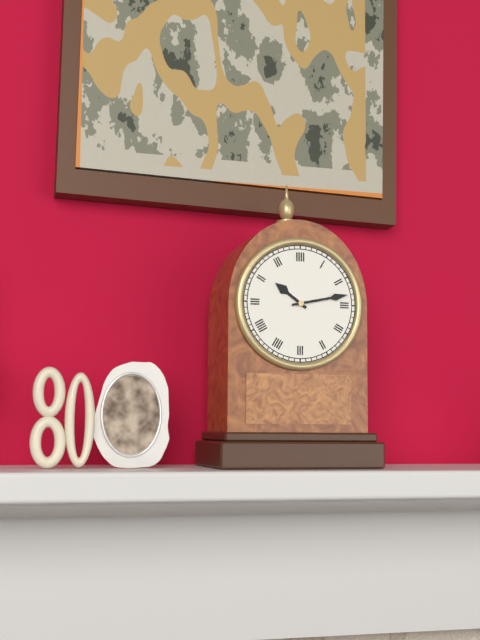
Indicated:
10.13
